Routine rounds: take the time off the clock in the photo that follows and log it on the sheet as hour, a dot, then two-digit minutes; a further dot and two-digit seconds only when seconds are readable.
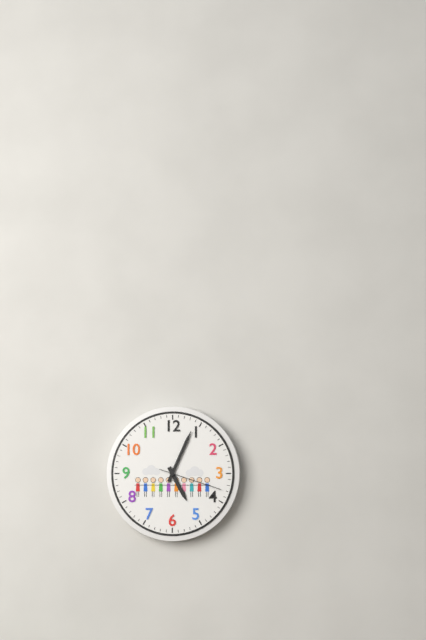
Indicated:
5.04.18
